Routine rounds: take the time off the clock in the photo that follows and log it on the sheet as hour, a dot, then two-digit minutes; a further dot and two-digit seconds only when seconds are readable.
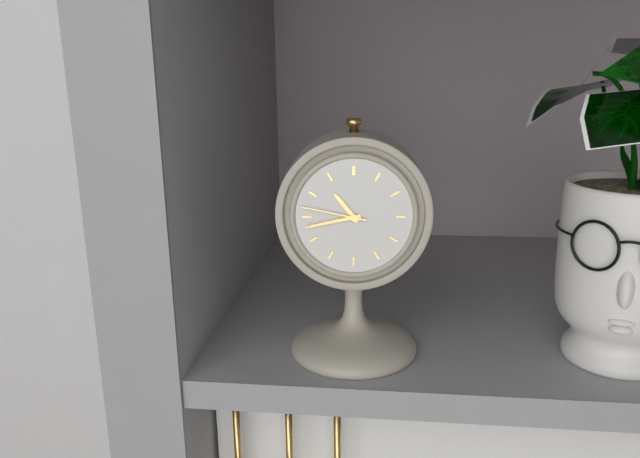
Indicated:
10.43.47
